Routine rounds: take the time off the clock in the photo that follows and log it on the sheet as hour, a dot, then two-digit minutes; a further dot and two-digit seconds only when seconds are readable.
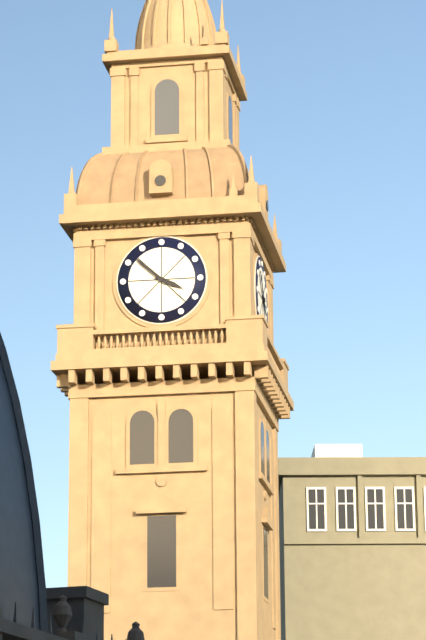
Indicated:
3.52
